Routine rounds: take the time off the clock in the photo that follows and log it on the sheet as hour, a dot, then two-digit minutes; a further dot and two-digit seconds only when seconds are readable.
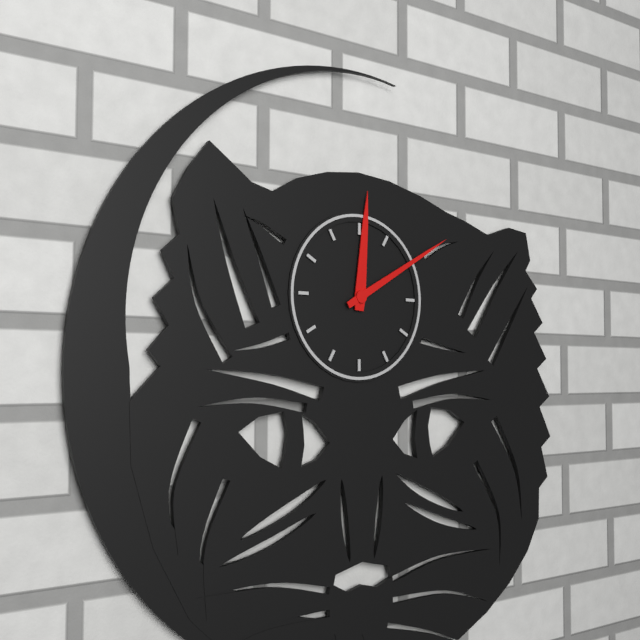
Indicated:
12.10
